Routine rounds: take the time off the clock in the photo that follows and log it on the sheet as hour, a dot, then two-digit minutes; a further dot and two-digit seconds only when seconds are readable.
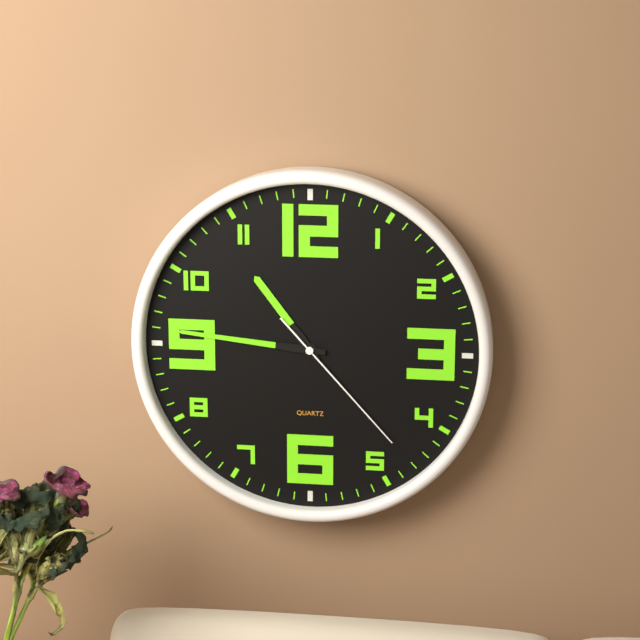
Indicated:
10.46.23
